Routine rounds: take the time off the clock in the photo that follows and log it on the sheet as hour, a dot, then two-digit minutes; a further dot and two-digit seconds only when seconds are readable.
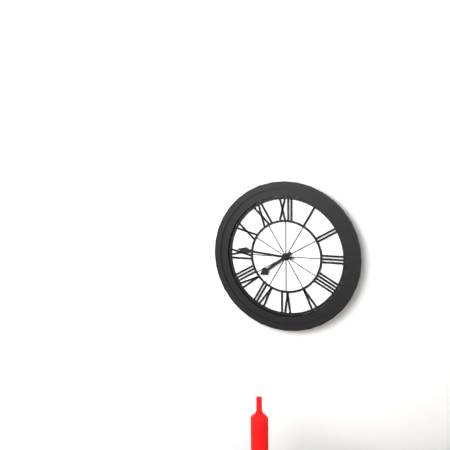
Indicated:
7.46
